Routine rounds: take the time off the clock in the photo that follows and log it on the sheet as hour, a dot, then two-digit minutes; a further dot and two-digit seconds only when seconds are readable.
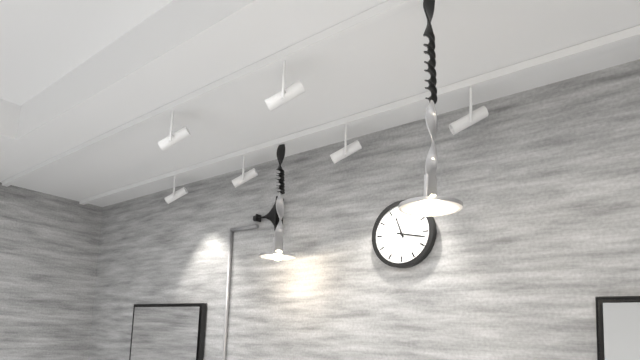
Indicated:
11.17
